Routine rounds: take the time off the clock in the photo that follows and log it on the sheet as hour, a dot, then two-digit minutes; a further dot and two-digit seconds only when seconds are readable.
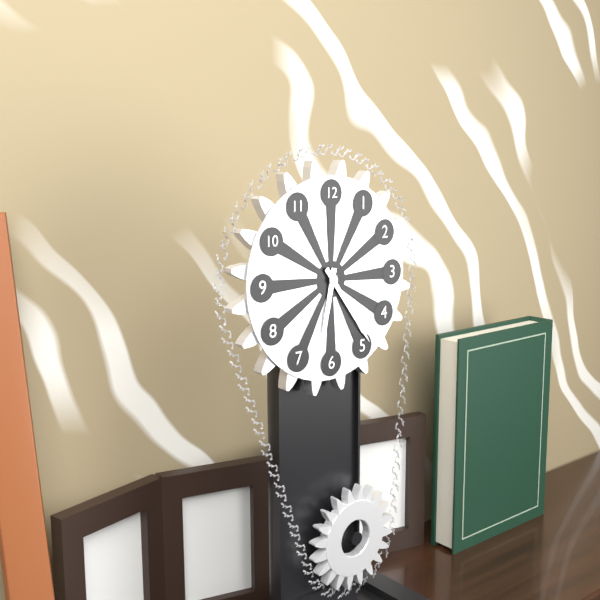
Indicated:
6.24
